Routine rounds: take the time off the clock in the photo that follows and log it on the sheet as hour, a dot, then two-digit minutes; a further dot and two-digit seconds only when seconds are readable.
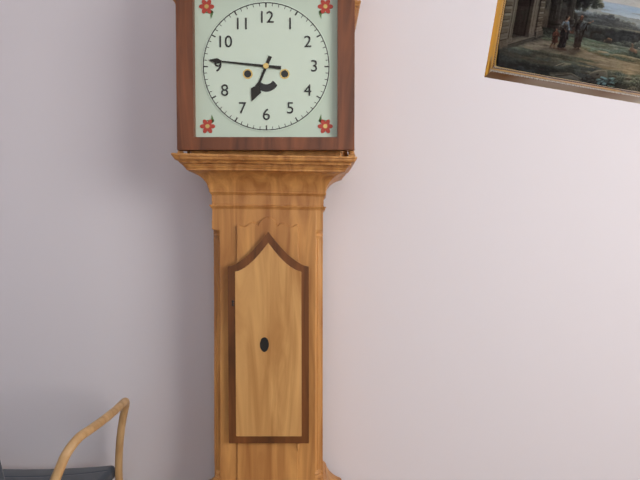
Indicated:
6.46
